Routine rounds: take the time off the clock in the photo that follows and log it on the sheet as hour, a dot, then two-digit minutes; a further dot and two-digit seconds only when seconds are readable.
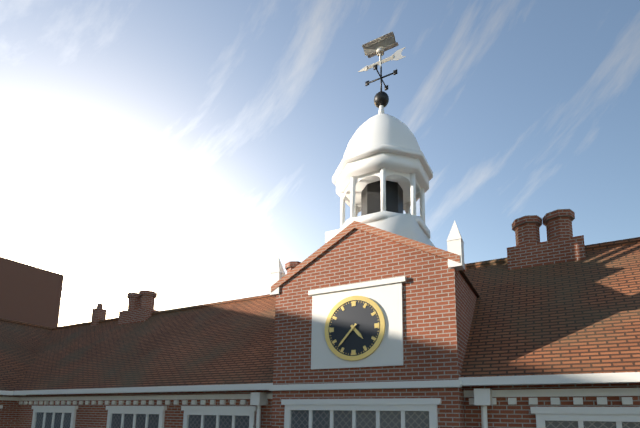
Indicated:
4.37
